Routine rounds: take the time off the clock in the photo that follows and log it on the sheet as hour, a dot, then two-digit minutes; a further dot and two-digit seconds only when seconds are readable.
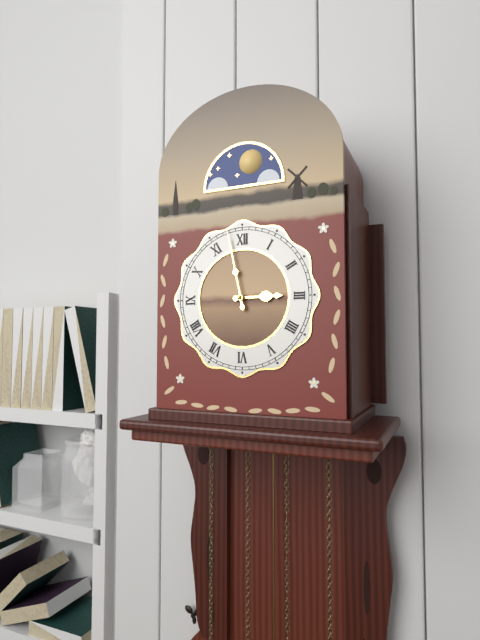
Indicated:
2.58
